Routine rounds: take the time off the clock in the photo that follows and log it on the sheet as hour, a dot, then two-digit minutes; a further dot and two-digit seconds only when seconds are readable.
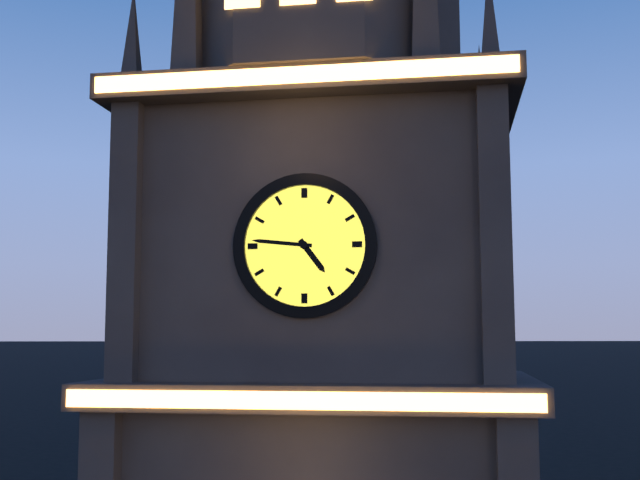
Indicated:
4.46
